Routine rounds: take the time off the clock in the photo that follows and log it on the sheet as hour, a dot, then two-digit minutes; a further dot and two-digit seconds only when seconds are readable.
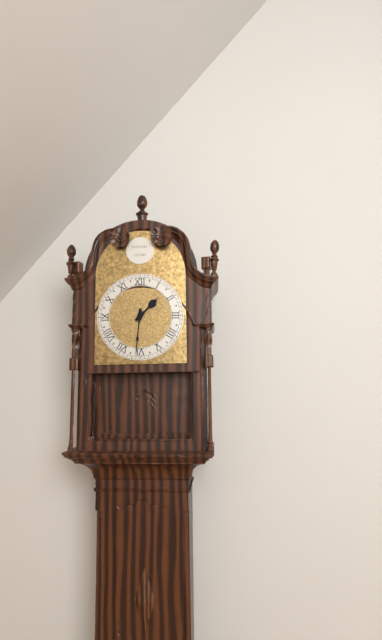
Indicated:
1.31
